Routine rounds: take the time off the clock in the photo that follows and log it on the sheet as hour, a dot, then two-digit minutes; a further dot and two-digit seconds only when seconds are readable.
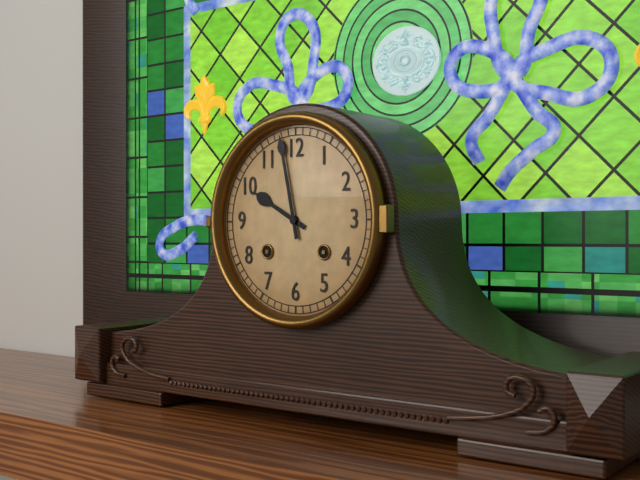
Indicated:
9.58
